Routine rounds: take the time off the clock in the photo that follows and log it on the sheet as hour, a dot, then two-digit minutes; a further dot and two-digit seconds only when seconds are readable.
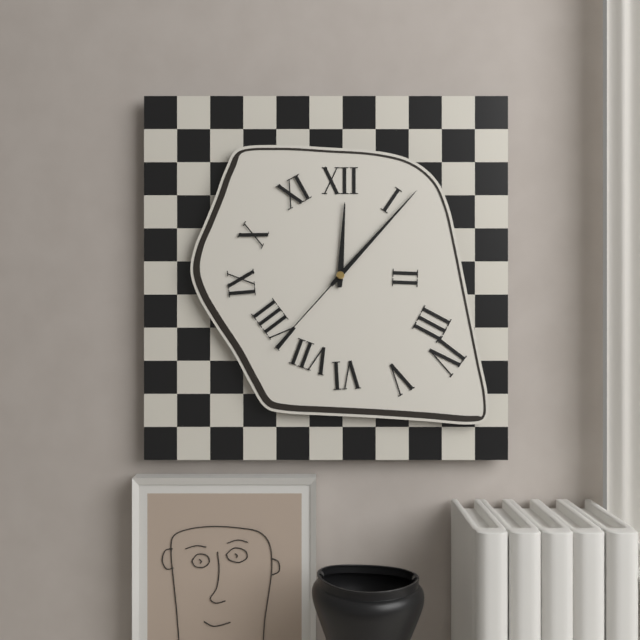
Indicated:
12.07.37
